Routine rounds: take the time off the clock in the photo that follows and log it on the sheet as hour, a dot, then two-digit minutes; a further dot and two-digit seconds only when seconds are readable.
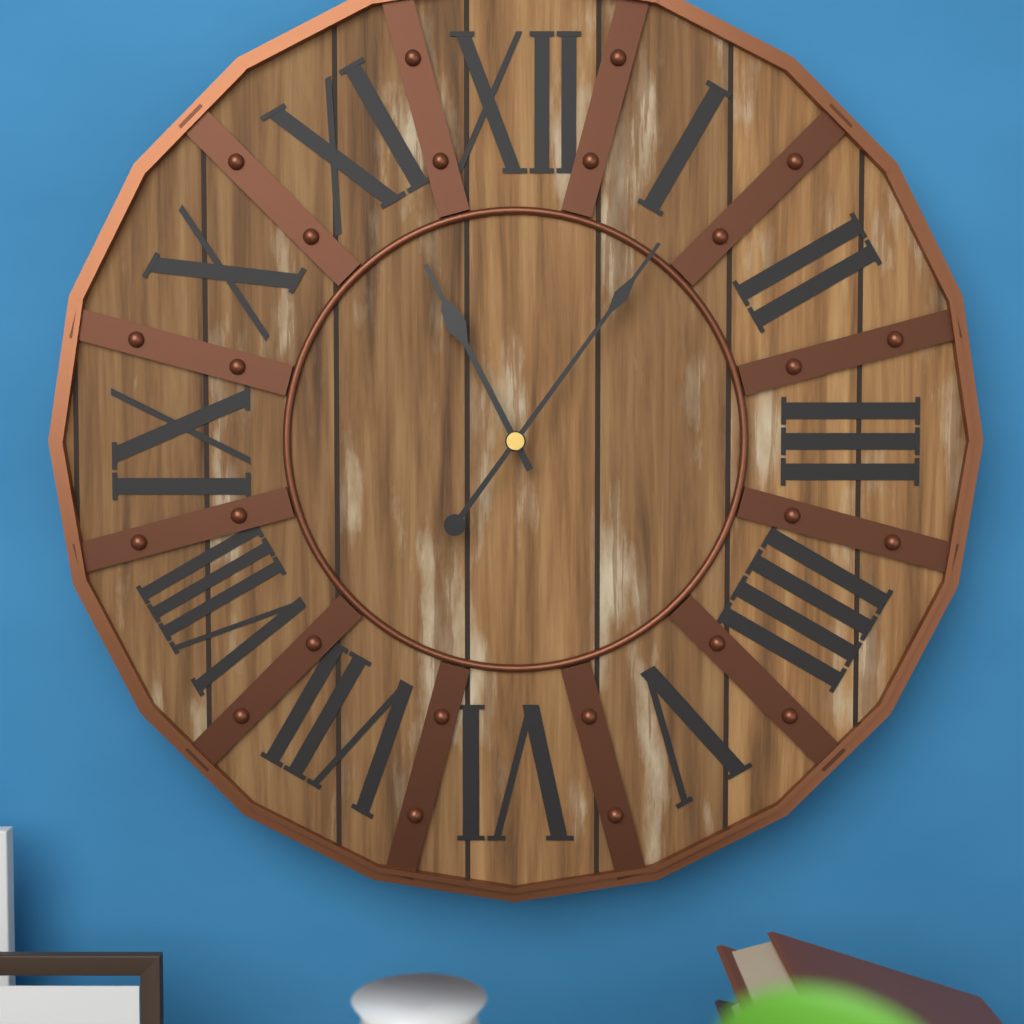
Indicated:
11.06
